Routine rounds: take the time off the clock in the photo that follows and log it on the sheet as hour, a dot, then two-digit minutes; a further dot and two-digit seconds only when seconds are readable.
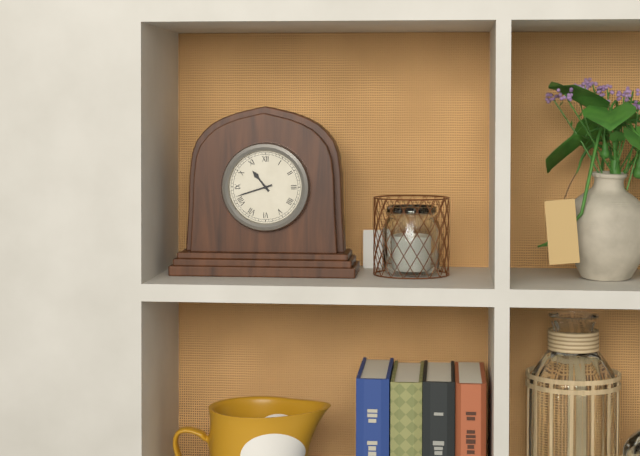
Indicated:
10.42
